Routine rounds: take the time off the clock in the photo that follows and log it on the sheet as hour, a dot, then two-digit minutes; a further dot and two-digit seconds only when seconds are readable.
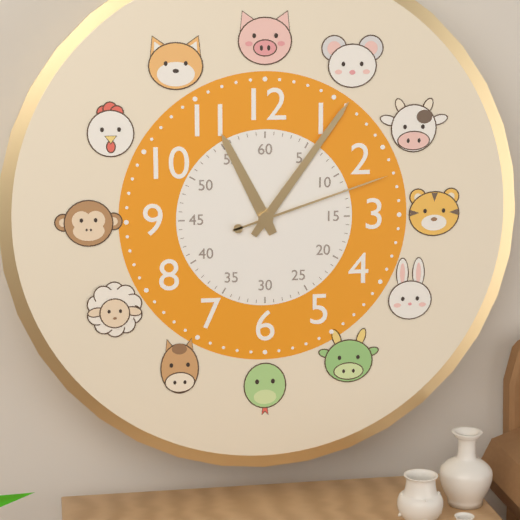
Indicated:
11.06.12
